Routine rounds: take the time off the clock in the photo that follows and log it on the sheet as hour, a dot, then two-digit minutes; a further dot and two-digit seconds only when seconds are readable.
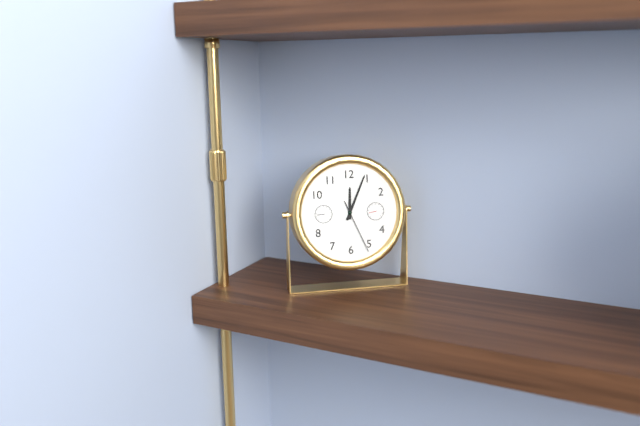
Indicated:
12.04.26
